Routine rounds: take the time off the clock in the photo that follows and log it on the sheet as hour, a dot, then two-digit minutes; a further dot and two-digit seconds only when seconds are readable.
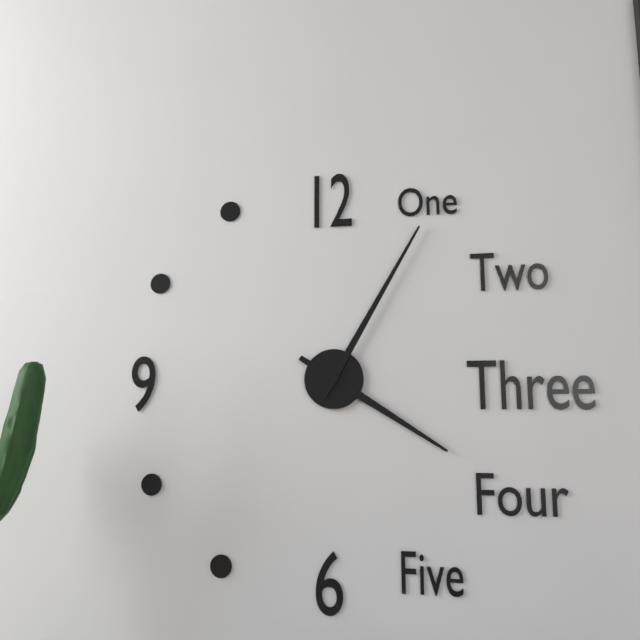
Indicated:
4.05
